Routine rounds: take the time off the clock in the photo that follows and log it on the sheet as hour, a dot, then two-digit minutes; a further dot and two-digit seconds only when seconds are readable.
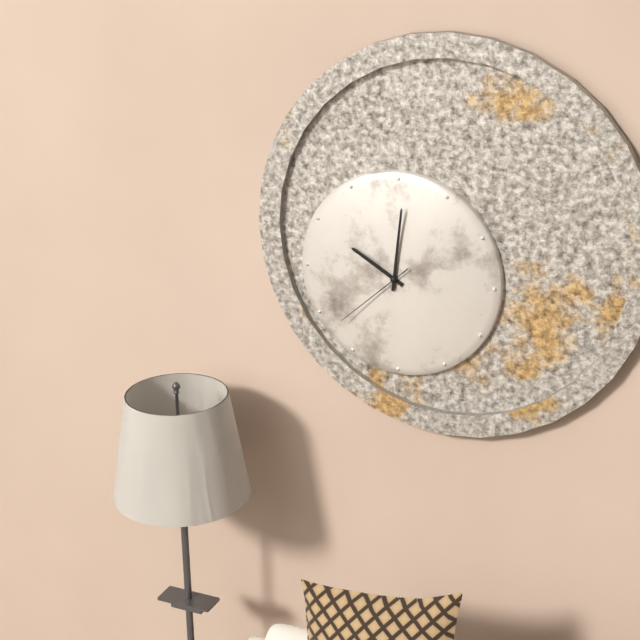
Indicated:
10.01.38
